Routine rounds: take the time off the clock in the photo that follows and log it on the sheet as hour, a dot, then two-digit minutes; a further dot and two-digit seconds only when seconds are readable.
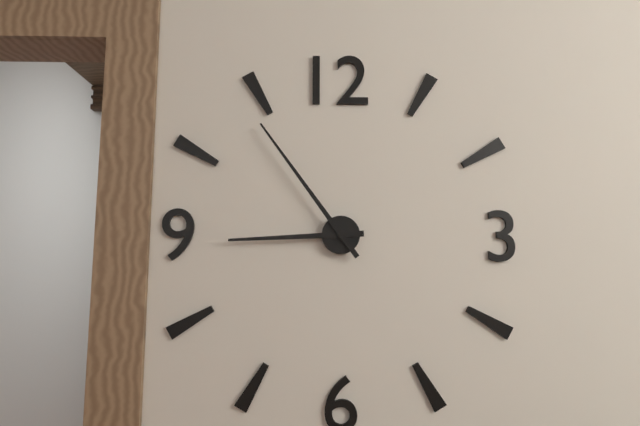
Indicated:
8.54
